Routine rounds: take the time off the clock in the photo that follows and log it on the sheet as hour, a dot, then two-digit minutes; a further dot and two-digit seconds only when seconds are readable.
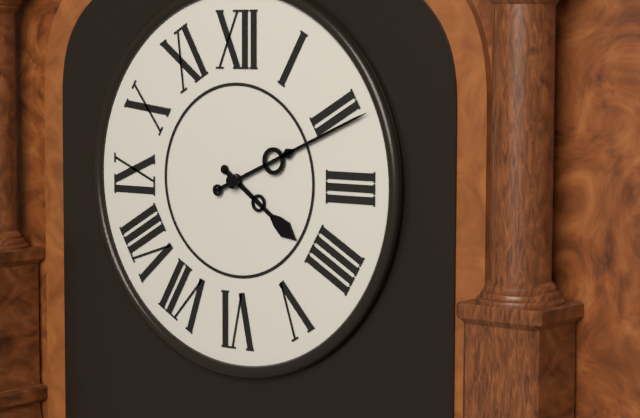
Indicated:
4.11
